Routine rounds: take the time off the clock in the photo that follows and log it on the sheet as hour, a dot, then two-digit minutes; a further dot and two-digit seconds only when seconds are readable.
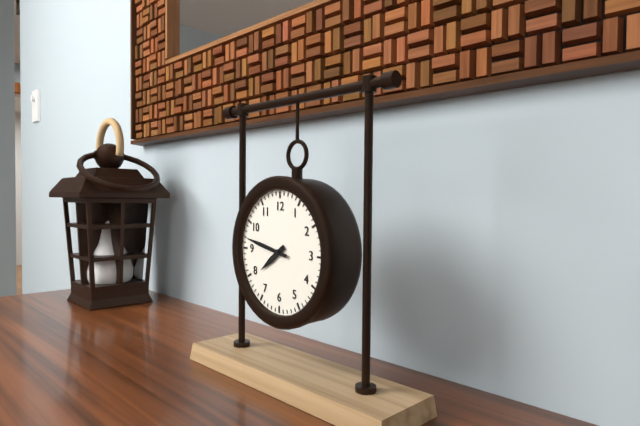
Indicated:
7.47
